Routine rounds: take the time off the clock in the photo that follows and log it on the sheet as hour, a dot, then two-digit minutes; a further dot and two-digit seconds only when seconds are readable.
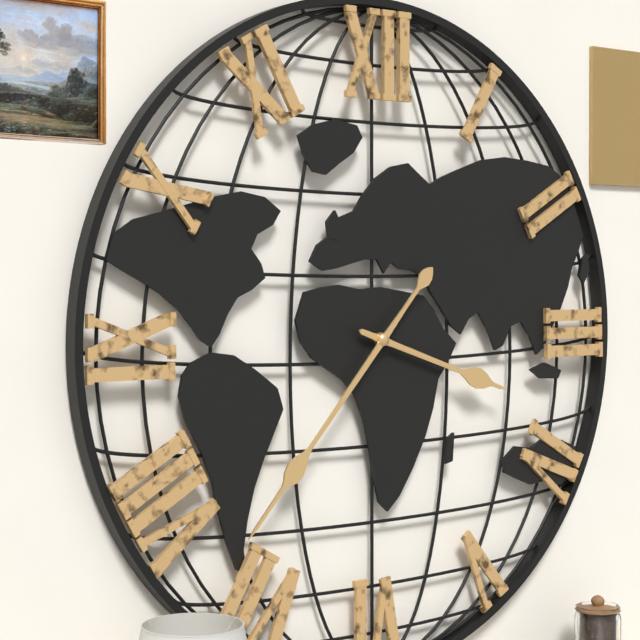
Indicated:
3.37
